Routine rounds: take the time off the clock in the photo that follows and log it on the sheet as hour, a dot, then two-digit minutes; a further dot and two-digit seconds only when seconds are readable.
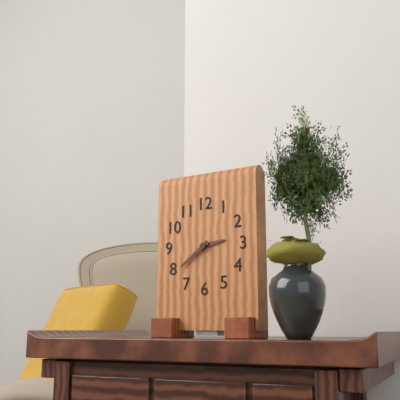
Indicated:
2.39
